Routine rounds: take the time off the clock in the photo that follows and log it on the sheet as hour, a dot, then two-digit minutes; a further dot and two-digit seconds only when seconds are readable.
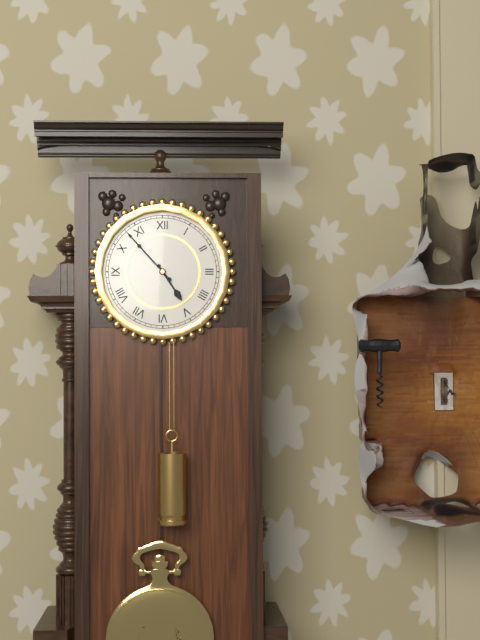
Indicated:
4.53
